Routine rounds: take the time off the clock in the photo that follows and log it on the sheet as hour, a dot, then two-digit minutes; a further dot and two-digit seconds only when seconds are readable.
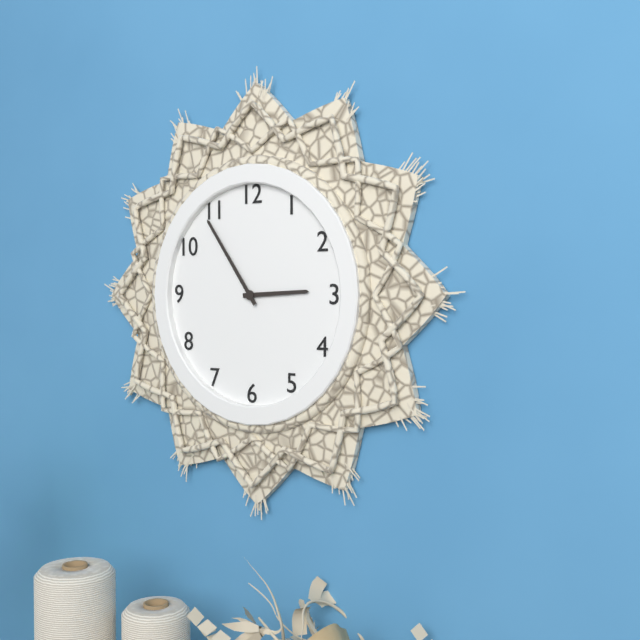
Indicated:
2.54
